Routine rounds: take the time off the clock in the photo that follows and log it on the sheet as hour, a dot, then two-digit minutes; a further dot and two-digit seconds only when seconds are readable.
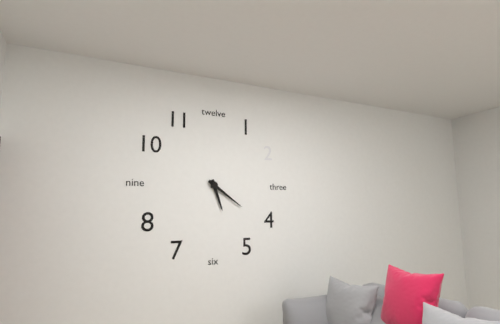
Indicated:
5.21
